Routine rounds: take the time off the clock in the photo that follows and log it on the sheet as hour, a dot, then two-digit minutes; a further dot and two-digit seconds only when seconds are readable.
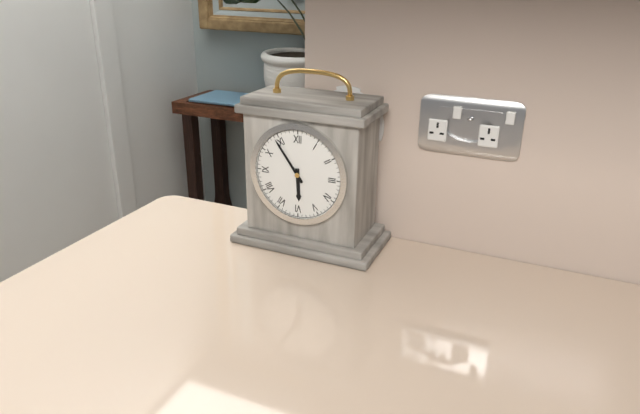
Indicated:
5.54
